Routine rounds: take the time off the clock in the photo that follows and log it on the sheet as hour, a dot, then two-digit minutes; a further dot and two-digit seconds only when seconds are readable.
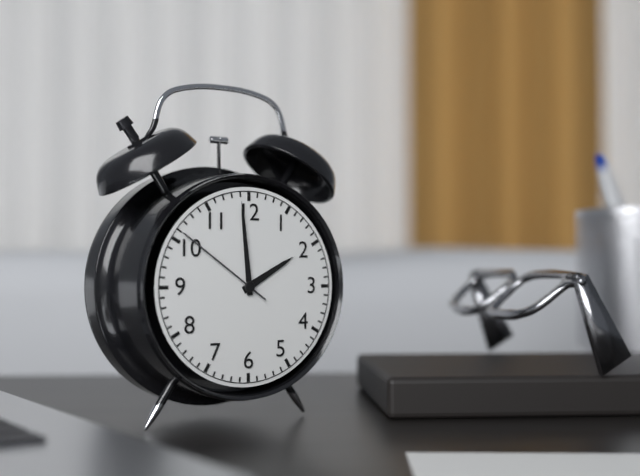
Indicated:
1.59.51
